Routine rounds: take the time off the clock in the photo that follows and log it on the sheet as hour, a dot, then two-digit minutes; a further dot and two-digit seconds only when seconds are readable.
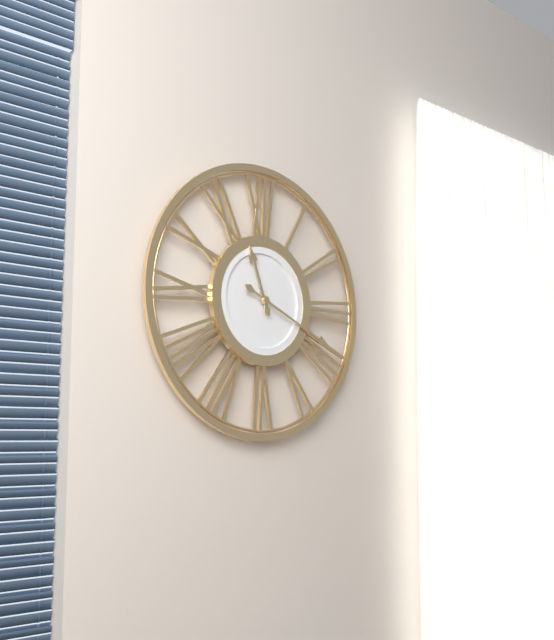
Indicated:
11.19
